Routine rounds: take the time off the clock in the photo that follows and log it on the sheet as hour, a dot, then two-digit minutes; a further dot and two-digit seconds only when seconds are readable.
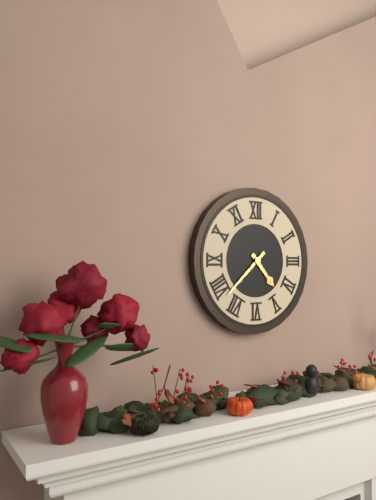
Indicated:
4.38
